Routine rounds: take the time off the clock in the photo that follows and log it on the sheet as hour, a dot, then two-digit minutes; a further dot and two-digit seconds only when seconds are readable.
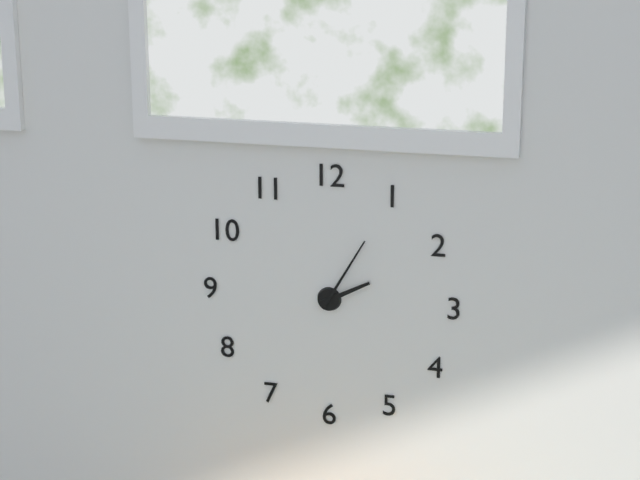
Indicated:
2.05
